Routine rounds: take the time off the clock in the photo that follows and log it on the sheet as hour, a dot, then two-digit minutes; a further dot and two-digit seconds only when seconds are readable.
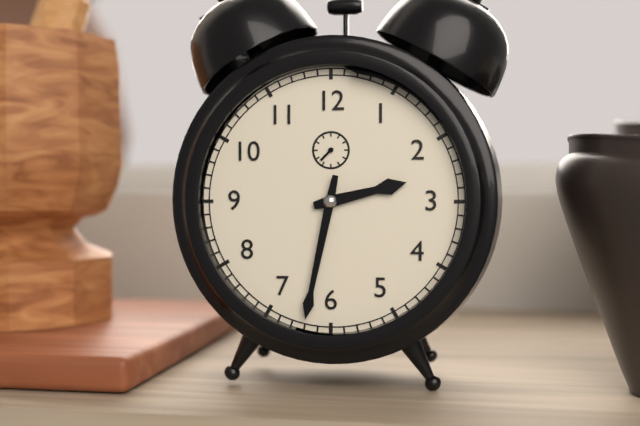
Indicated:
2.32
